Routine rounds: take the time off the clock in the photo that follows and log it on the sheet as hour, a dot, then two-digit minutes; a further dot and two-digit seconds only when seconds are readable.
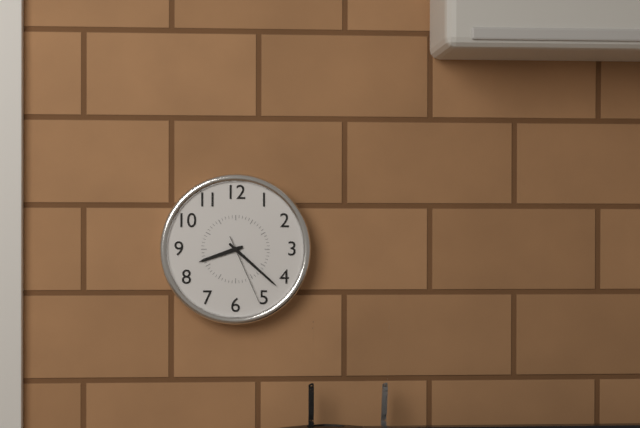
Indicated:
8.22.26
